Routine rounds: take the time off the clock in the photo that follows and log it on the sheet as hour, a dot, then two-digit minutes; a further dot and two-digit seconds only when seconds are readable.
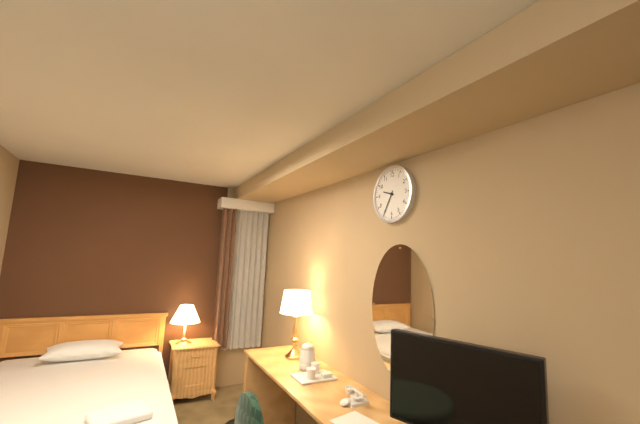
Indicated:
9.35
